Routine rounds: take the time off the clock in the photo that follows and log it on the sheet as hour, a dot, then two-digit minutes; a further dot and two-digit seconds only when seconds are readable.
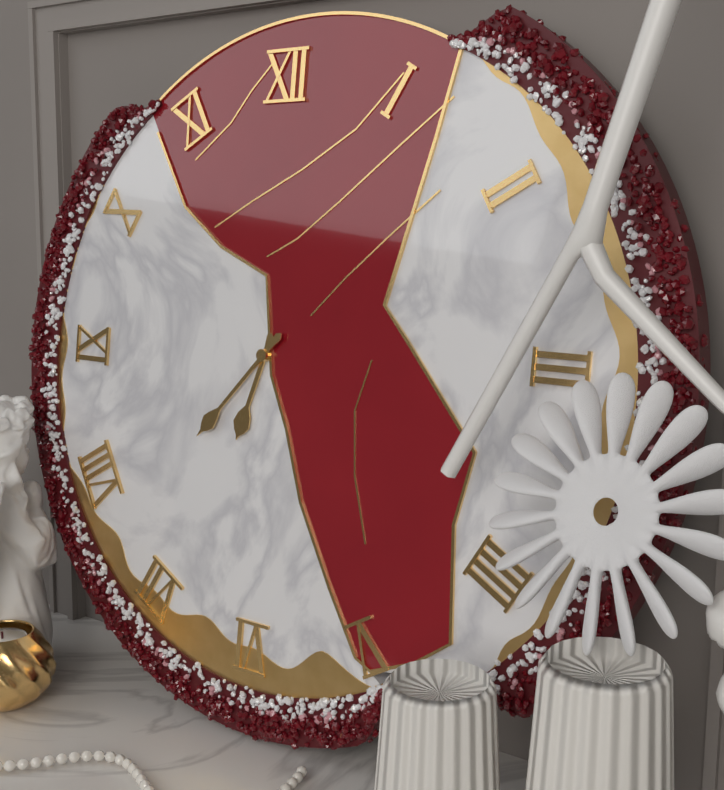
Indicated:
6.37
